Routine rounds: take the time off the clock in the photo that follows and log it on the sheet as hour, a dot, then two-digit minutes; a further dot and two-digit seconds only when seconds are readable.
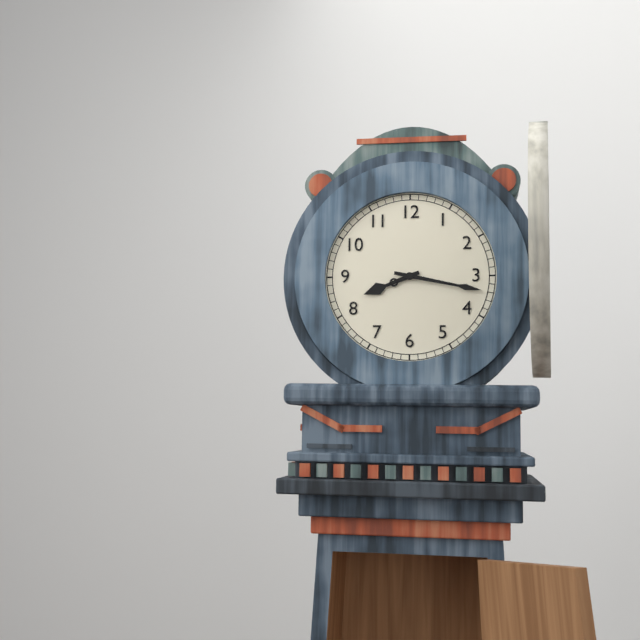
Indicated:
8.17
